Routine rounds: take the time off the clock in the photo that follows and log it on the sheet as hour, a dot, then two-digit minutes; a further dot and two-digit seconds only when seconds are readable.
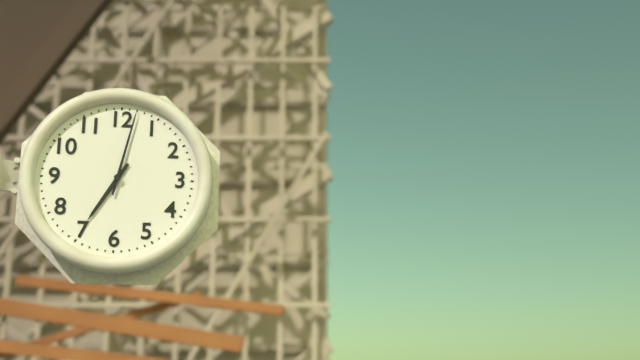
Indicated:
7.02
